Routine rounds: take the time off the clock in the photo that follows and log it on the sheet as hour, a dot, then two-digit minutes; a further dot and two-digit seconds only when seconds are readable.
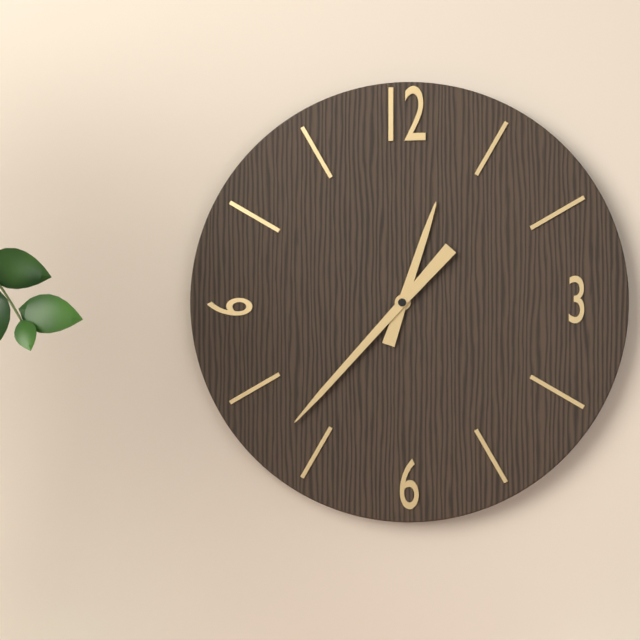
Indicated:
12.37
